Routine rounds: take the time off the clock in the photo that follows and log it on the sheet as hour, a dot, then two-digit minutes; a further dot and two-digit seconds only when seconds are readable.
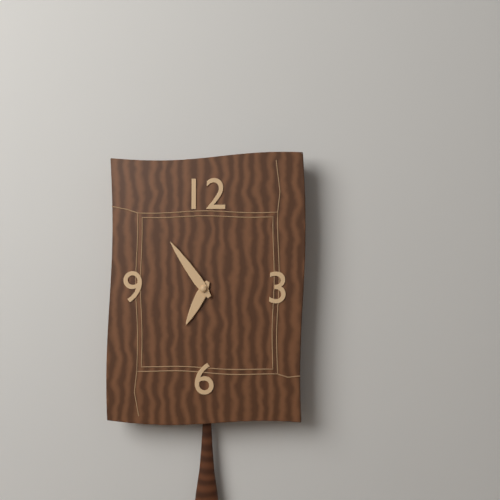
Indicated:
6.54
